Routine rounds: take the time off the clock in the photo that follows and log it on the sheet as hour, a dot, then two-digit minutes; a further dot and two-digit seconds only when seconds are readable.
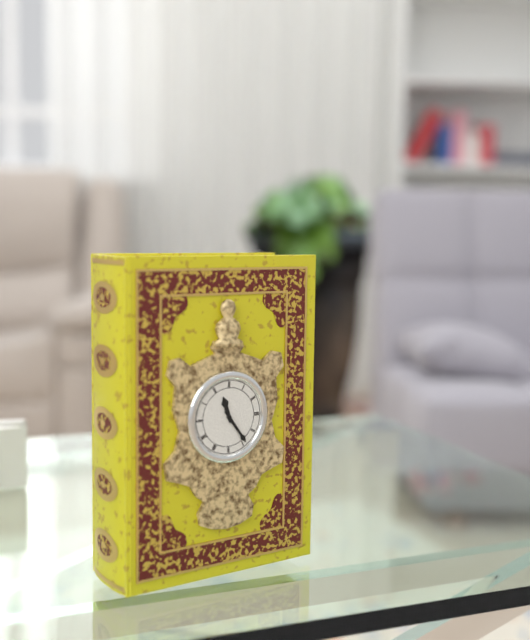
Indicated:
11.24
